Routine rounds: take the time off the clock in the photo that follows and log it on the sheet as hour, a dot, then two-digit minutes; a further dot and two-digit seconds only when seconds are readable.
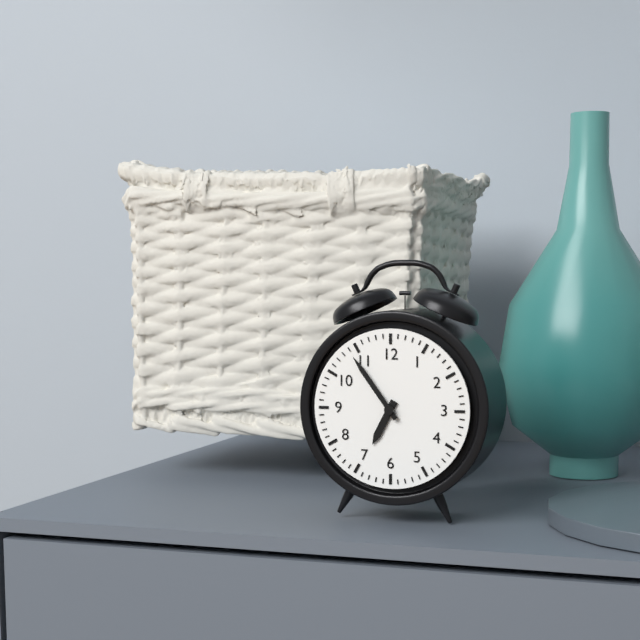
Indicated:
6.54
